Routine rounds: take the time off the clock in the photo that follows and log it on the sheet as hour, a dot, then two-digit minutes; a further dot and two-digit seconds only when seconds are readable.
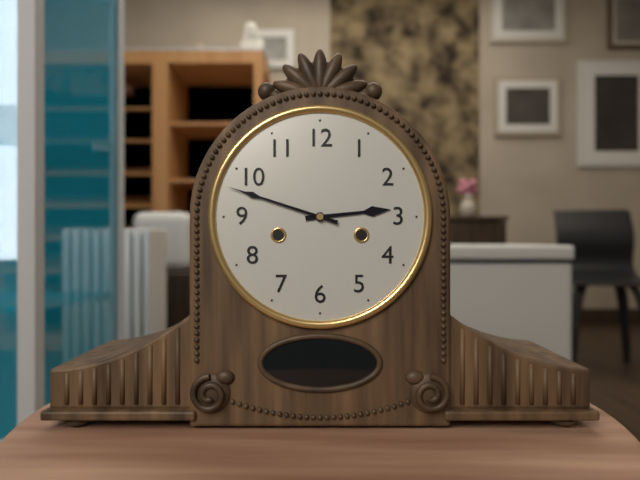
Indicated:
2.48
